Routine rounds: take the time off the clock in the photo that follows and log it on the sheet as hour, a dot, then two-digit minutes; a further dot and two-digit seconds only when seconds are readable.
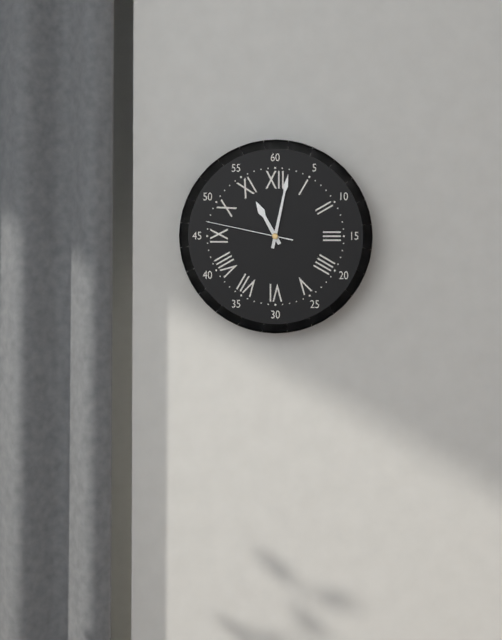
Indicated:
11.02.47
